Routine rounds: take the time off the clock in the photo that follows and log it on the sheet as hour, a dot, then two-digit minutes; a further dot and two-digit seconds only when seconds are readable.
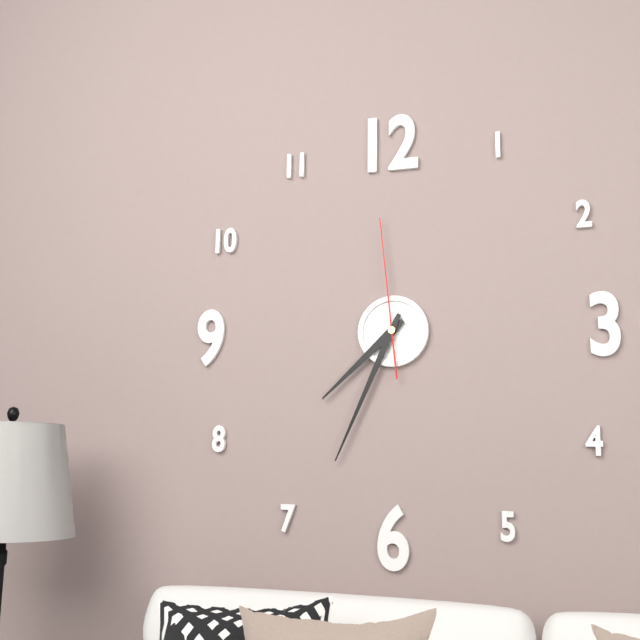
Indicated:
7.34.59
